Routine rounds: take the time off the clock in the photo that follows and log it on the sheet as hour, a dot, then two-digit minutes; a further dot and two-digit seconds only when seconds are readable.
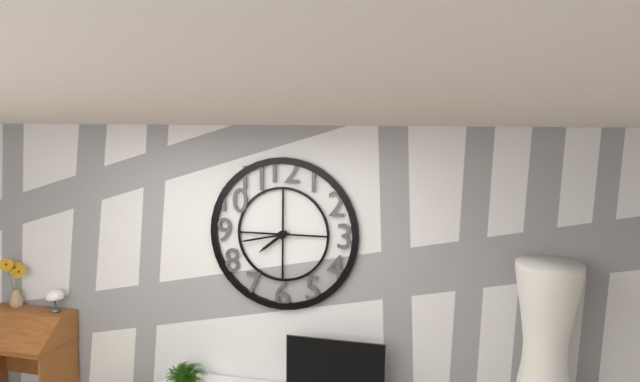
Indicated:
7.43
